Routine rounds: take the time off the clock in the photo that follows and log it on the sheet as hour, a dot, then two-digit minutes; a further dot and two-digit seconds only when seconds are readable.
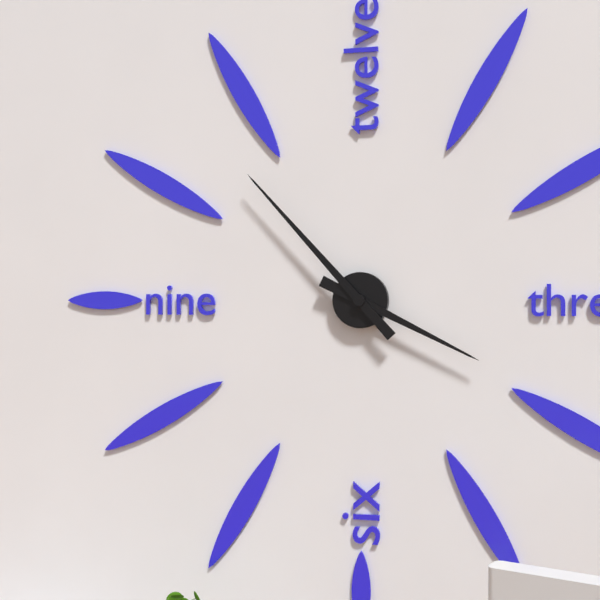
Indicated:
3.53
